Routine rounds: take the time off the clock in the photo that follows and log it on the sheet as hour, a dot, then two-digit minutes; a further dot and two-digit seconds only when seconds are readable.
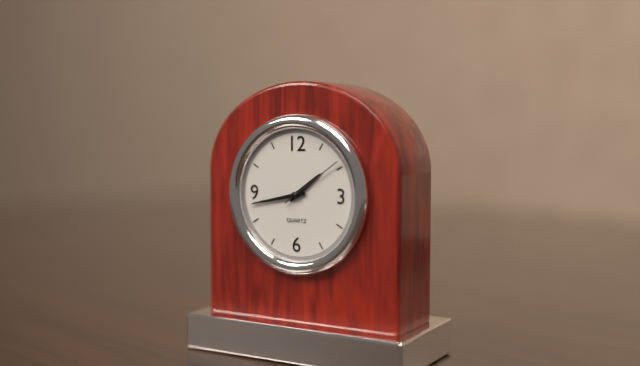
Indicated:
1.43.09
